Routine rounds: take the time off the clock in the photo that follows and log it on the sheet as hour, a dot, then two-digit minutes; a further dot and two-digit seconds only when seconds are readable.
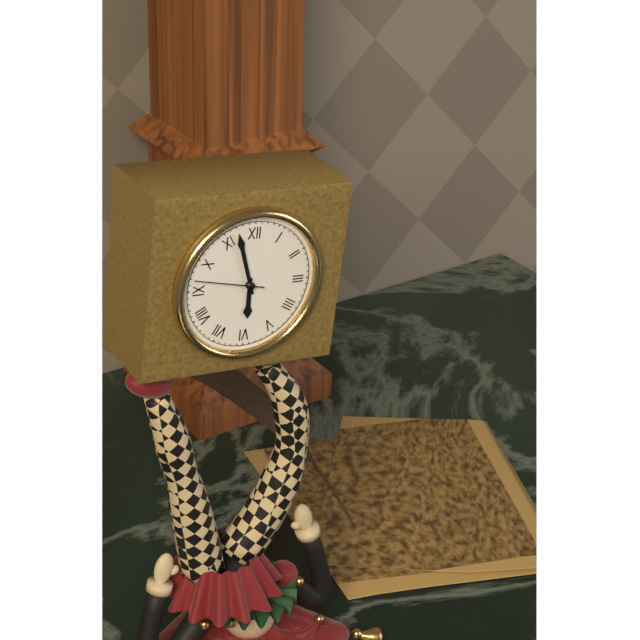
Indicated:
5.57
